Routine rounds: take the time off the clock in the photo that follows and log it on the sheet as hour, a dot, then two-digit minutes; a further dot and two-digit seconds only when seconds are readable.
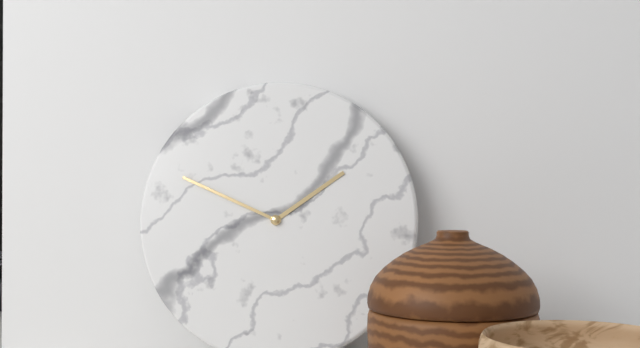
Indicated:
1.49
